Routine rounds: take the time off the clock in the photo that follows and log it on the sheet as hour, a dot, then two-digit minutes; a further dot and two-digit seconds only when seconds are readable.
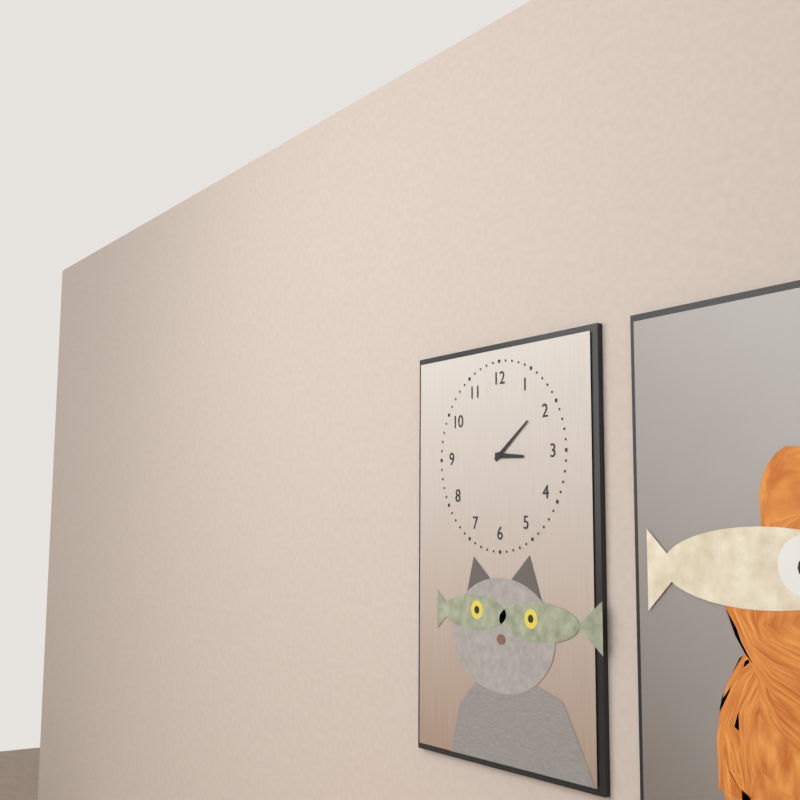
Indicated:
3.09
